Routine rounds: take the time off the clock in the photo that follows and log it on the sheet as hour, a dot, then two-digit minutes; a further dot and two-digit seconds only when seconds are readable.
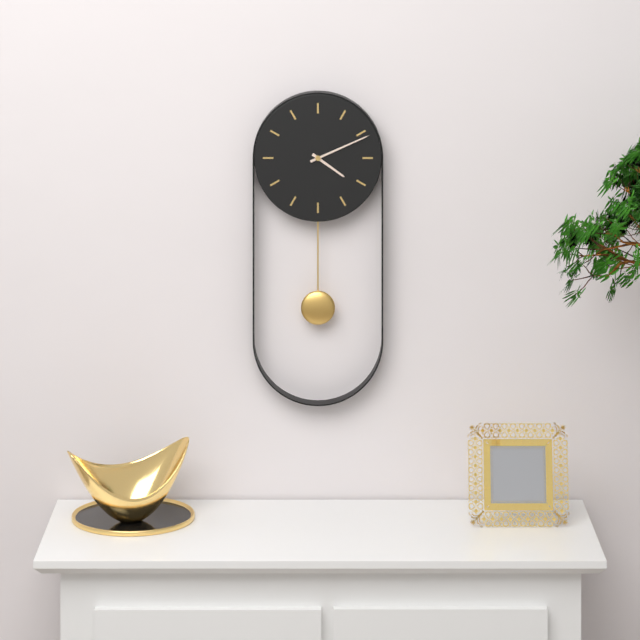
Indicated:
4.11
